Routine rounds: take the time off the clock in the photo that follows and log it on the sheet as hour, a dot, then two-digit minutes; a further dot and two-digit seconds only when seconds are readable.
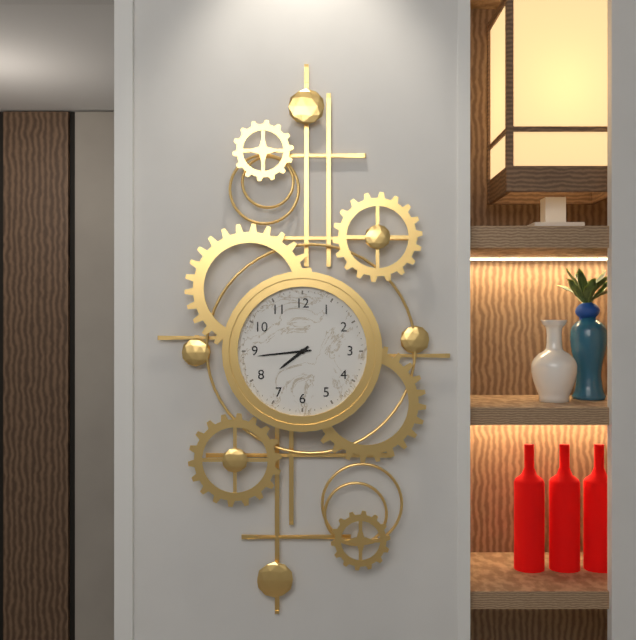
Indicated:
7.44
